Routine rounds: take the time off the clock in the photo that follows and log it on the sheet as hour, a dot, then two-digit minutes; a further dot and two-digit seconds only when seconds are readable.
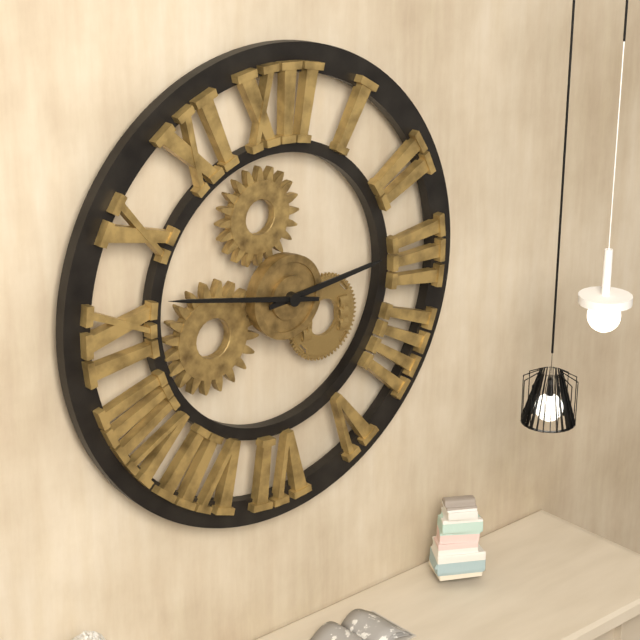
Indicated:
2.47
